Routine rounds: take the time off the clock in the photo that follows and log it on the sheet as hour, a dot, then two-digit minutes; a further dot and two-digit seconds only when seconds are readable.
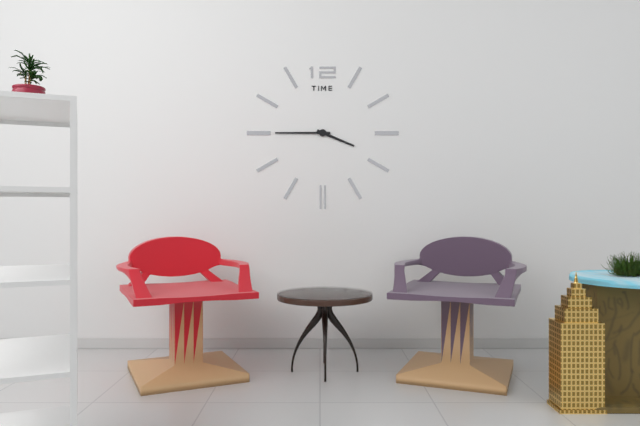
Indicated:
3.45
